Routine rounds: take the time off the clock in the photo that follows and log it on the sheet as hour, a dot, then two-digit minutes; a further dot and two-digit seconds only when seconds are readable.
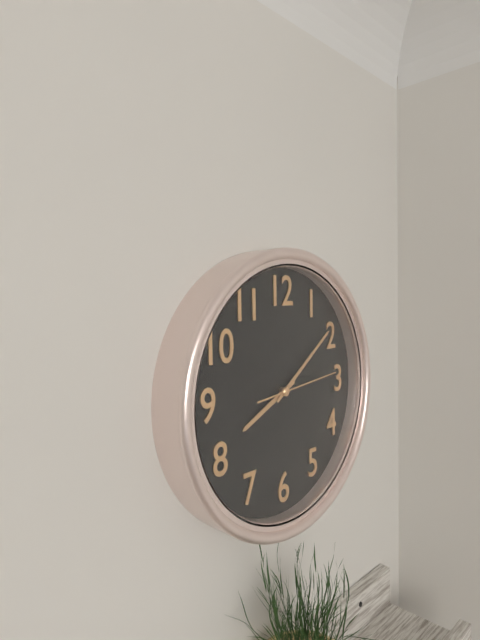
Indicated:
8.09.14
